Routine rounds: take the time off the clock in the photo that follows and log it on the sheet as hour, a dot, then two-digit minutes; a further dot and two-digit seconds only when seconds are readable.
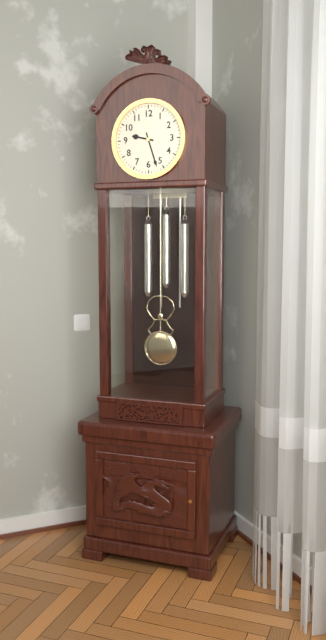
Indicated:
9.27
